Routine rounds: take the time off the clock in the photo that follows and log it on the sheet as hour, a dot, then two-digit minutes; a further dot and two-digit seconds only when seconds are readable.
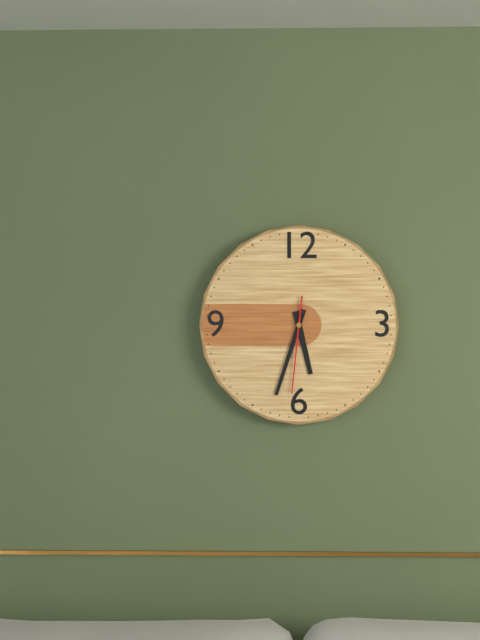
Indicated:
5.33.31
